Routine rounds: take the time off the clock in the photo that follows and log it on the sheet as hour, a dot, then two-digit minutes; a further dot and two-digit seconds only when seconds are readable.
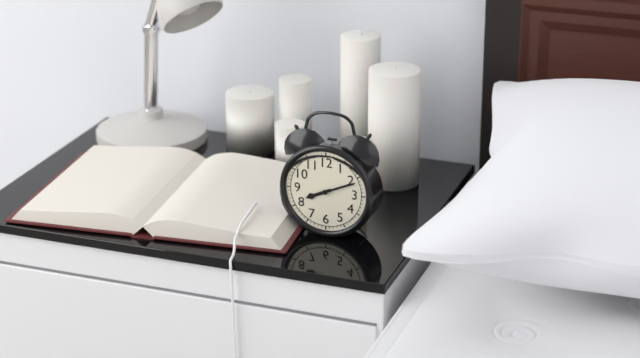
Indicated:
8.11
